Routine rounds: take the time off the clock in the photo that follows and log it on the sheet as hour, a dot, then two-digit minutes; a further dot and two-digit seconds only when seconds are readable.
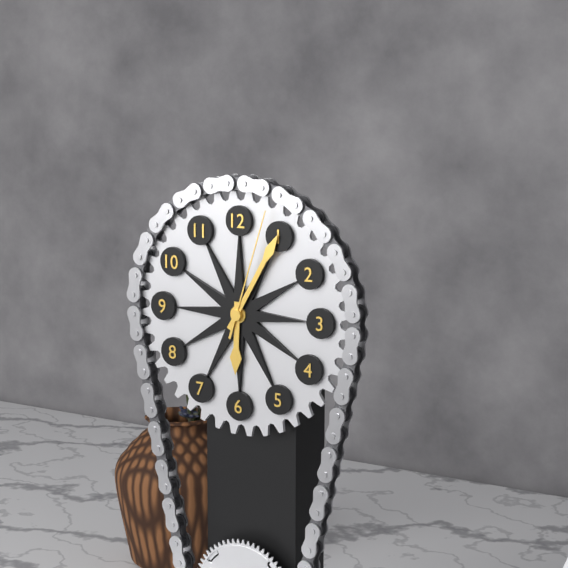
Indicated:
6.05.03
